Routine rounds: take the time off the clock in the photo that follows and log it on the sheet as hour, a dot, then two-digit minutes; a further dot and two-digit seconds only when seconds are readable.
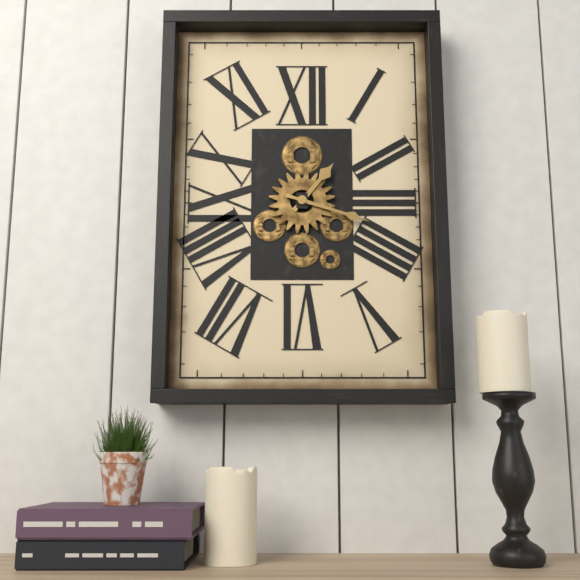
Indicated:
1.18
